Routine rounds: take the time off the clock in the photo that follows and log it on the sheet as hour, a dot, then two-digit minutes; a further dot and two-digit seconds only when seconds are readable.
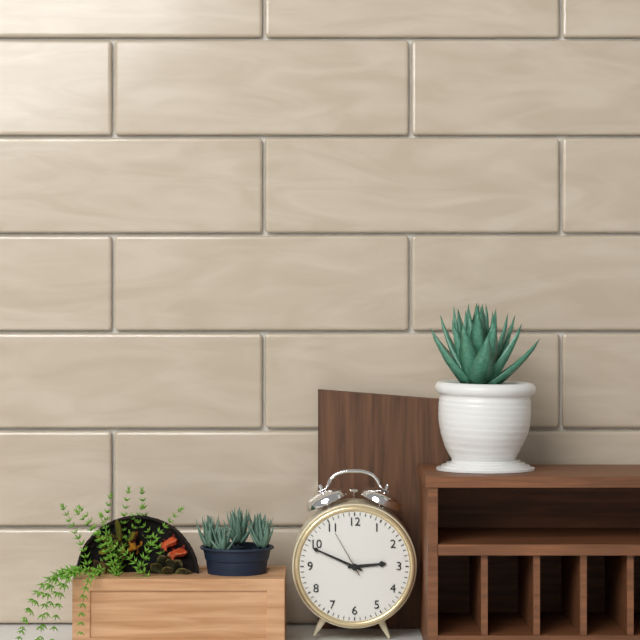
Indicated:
2.49
